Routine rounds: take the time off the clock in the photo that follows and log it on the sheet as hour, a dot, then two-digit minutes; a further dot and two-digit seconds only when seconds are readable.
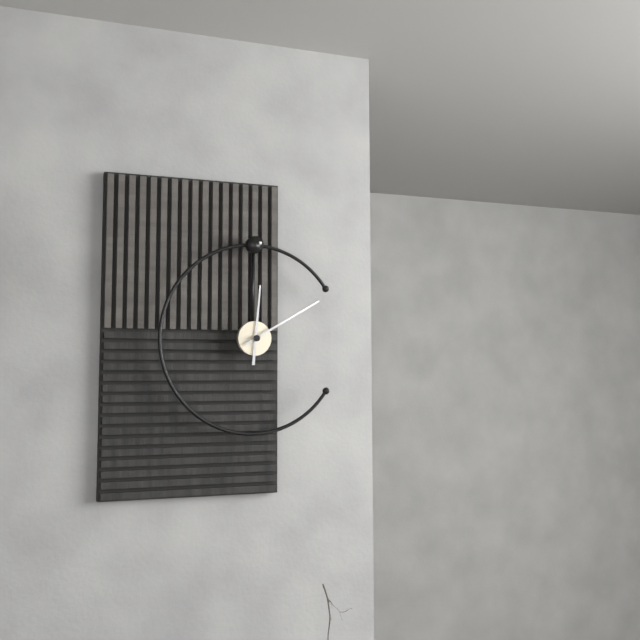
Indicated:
12.10
